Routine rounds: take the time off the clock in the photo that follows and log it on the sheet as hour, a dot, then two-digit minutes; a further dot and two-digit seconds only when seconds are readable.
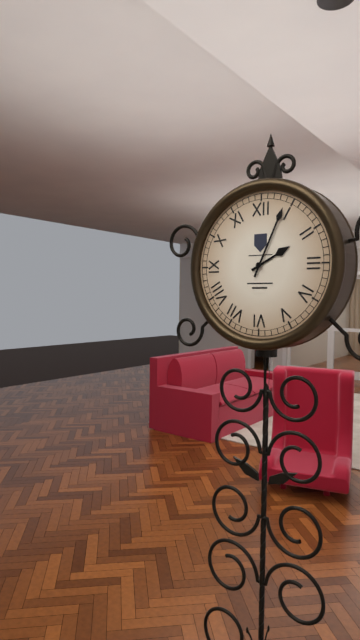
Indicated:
2.04
